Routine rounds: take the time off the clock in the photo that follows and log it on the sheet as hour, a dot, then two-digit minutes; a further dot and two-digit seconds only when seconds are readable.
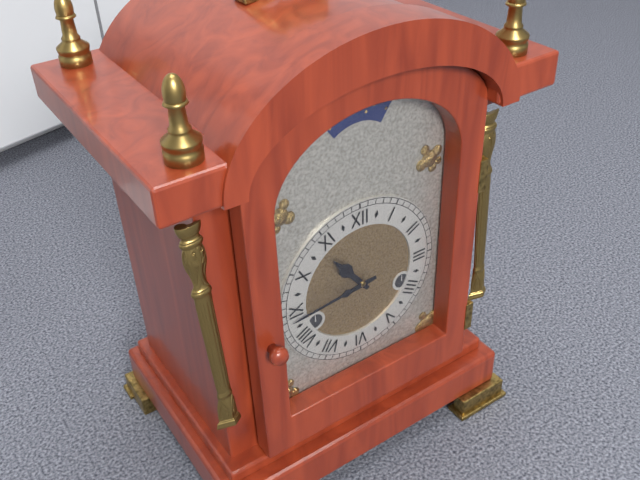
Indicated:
10.44
